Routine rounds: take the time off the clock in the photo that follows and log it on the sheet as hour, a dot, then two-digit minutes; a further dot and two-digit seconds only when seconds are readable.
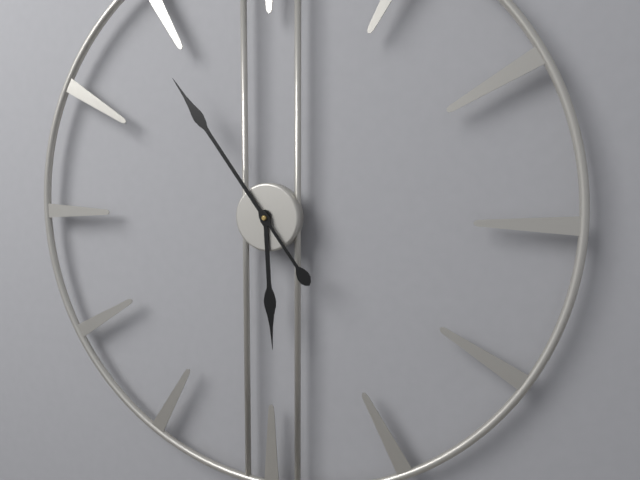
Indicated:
5.54
